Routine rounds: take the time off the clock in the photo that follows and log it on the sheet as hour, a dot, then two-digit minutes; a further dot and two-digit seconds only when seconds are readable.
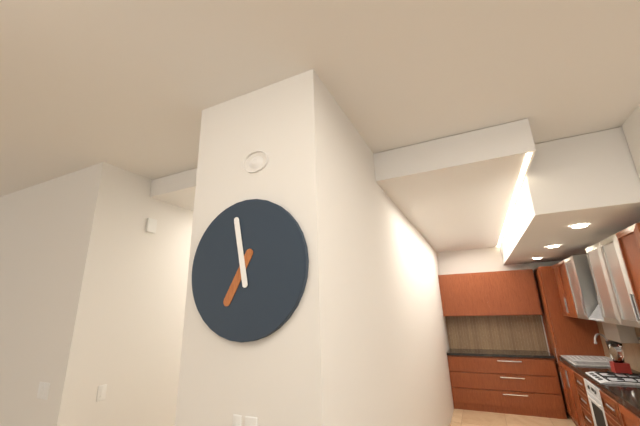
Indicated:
6.58
